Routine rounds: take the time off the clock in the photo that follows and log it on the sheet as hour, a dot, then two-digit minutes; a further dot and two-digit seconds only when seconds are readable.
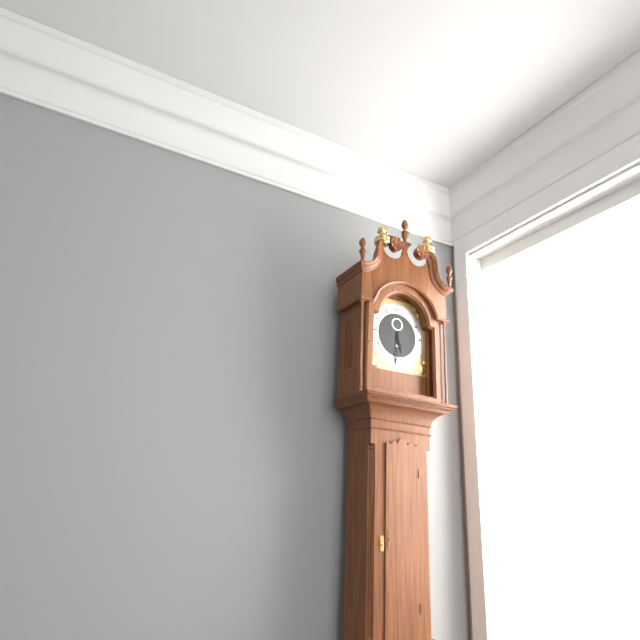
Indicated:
5.31
